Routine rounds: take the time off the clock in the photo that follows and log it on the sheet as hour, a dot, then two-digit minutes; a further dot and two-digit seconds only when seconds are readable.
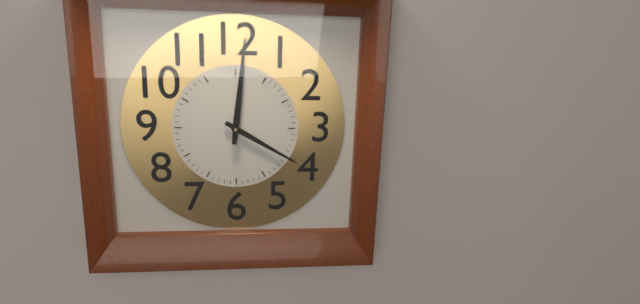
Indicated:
4.01
